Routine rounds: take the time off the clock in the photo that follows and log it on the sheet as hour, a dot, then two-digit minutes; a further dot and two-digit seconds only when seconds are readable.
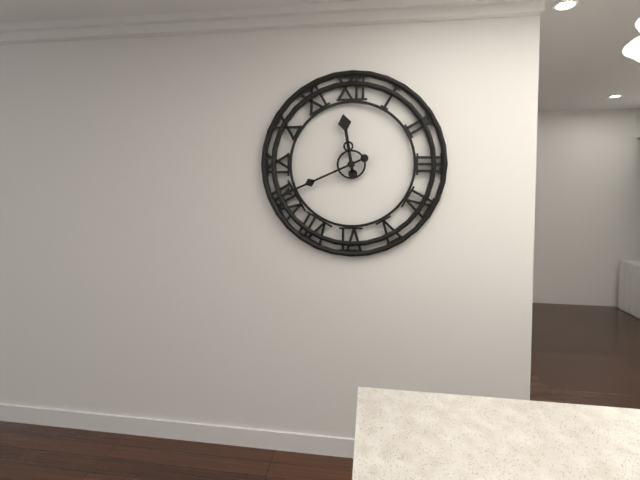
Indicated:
11.41
